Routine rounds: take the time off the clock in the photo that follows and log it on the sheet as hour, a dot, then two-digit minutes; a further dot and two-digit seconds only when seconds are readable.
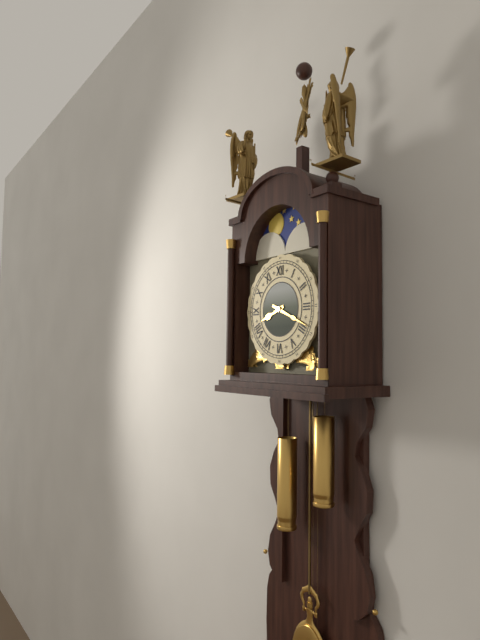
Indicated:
8.19
